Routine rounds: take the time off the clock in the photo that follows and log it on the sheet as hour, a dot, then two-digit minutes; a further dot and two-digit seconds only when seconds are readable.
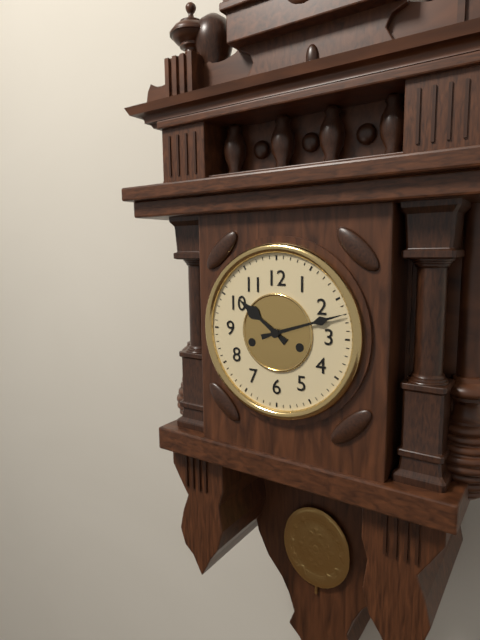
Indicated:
10.12
